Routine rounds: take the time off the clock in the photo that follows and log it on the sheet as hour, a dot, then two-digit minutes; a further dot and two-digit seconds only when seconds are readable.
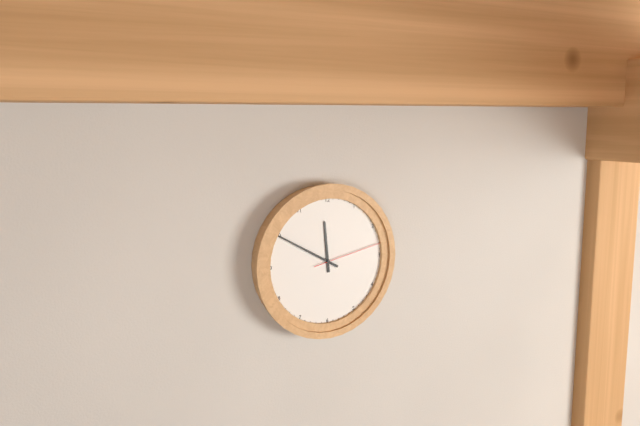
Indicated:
11.50.13
